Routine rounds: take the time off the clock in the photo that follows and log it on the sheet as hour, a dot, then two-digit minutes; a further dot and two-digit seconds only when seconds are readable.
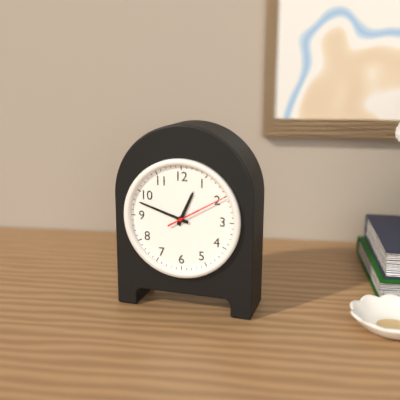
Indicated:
12.48
